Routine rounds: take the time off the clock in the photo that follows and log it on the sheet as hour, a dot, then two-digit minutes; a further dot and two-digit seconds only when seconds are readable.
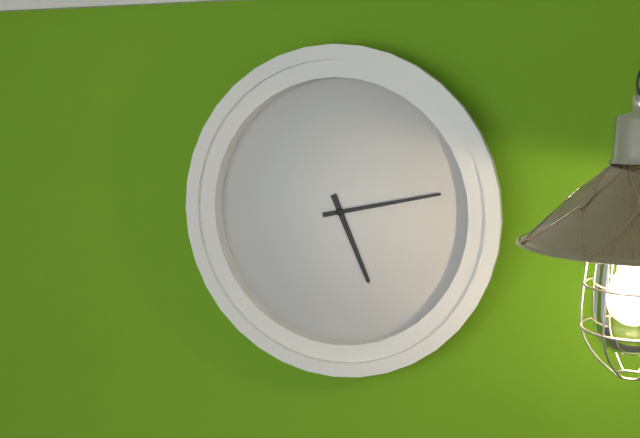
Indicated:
5.13
